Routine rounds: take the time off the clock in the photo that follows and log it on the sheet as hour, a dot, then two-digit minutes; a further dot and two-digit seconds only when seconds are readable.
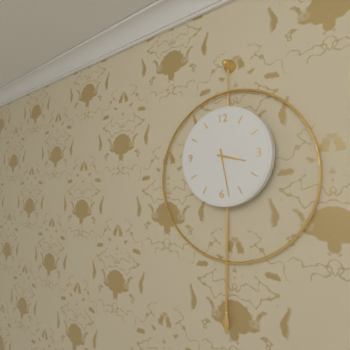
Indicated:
3.28
